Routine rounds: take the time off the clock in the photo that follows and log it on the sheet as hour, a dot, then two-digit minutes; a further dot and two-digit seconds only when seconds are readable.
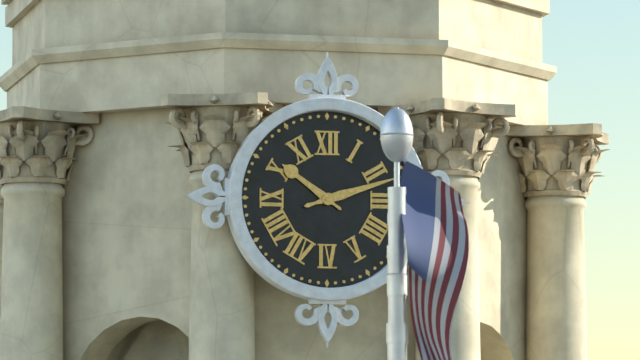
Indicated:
10.12
